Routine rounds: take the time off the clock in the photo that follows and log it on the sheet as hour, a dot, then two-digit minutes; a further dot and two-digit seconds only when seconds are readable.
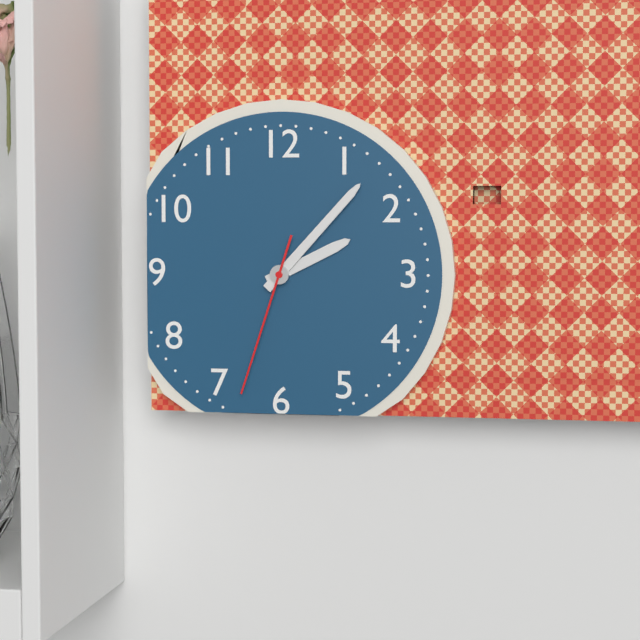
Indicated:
2.07.33
